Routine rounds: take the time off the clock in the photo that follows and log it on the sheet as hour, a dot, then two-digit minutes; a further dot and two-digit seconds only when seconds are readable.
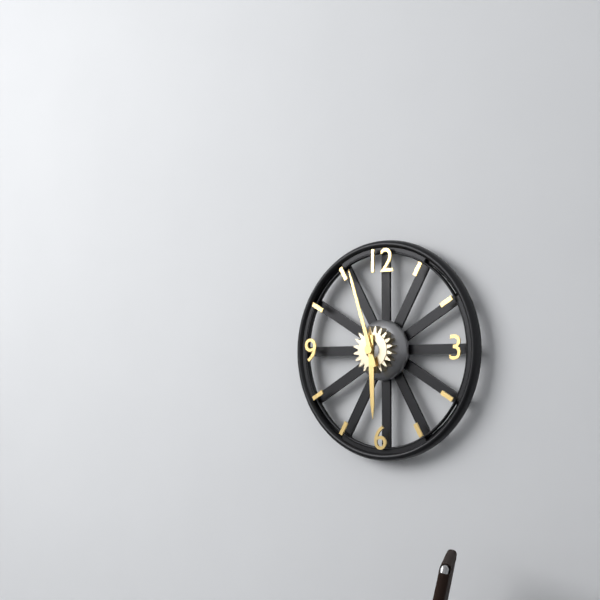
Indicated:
5.57
